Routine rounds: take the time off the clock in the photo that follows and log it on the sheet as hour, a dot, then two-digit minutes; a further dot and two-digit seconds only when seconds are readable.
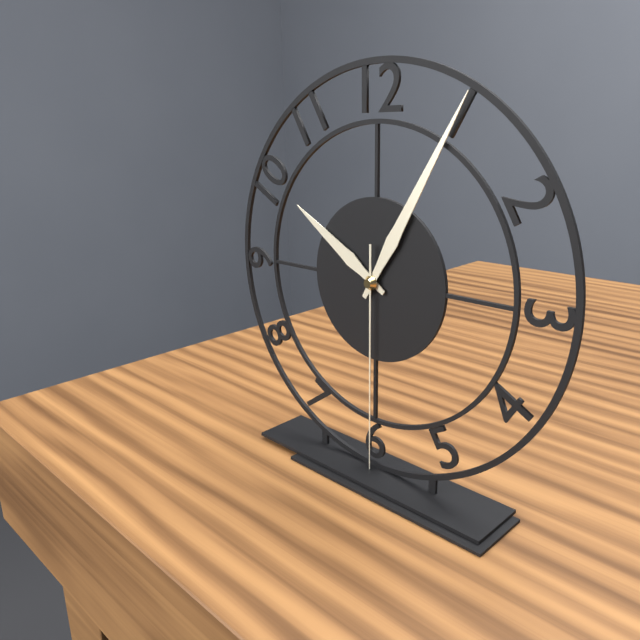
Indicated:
10.05.30
